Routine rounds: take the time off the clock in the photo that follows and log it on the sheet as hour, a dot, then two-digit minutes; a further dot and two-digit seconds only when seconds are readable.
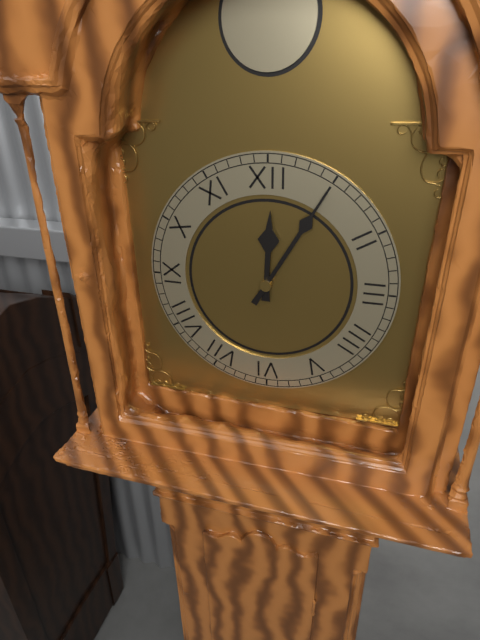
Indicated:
12.05
